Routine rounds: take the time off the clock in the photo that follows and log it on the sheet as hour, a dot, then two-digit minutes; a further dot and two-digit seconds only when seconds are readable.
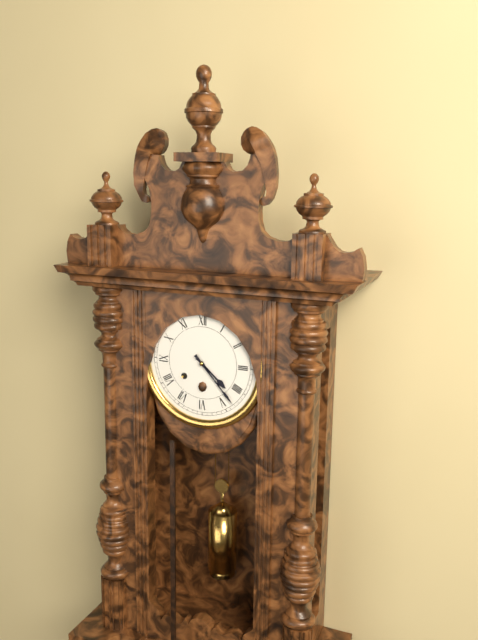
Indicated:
4.23
